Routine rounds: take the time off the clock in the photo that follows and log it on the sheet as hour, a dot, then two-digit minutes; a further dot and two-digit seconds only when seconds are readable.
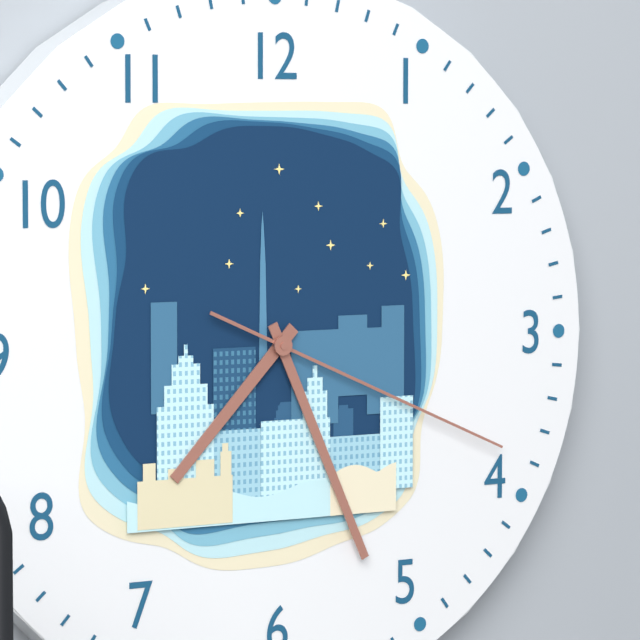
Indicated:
7.26.19
